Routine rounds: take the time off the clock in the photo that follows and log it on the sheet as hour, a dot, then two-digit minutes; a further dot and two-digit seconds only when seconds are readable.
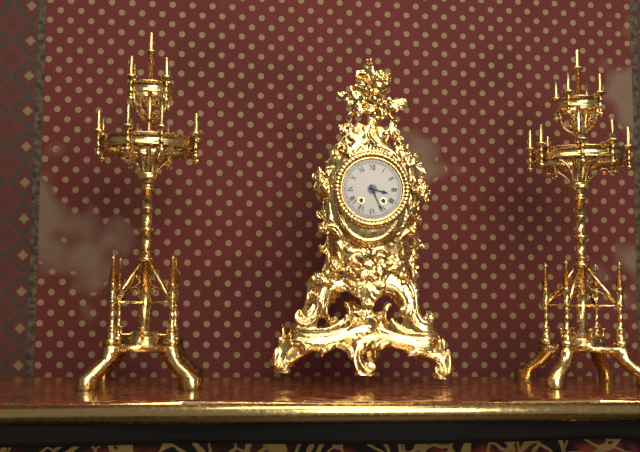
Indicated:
3.26
